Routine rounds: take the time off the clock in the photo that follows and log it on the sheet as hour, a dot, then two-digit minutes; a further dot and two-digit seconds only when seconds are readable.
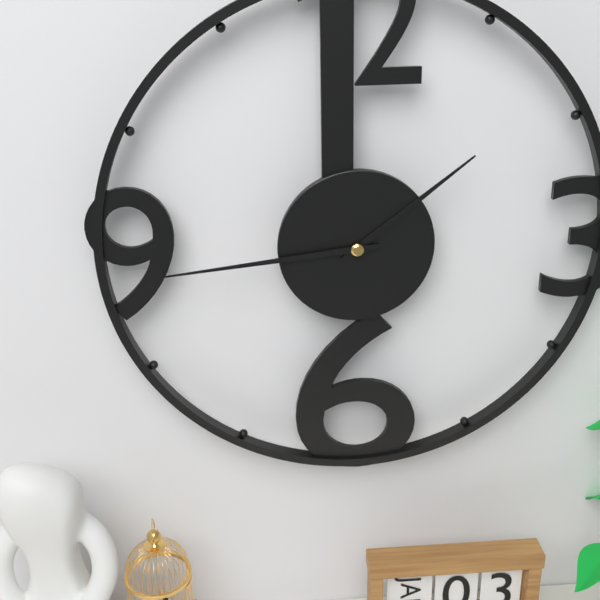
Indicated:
1.44
